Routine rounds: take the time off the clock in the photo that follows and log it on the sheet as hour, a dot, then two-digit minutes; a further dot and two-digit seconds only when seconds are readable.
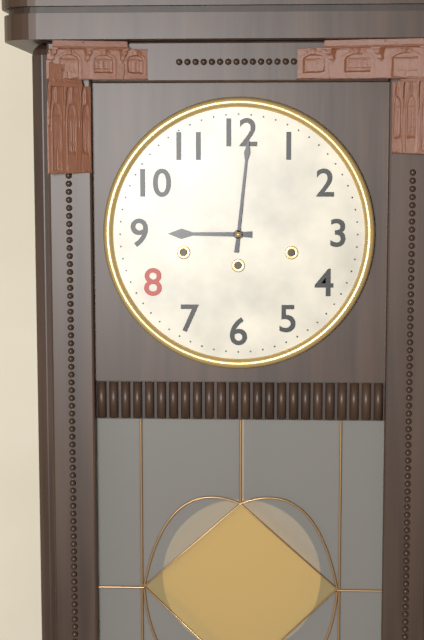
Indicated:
9.01
